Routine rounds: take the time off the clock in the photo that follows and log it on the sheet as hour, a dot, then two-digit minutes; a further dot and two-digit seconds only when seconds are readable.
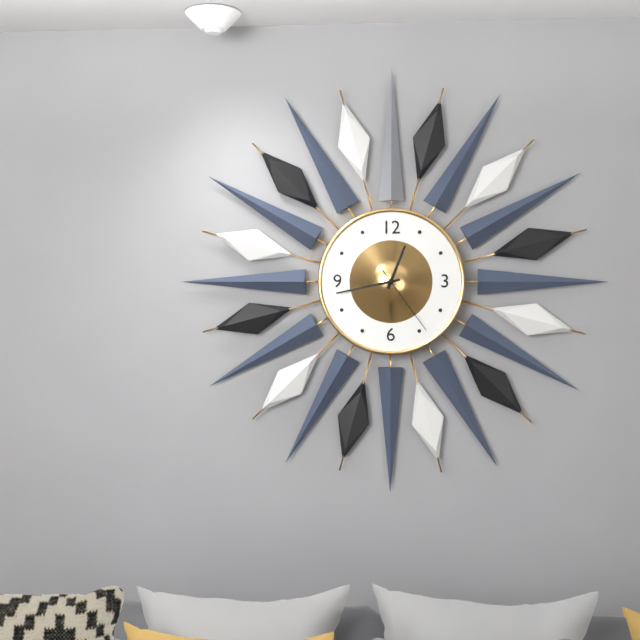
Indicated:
12.43.24
